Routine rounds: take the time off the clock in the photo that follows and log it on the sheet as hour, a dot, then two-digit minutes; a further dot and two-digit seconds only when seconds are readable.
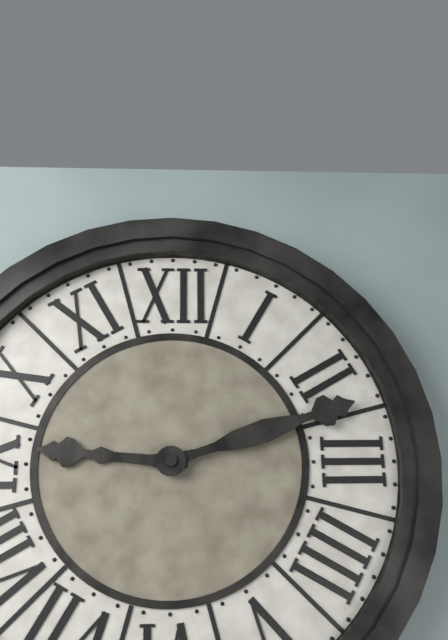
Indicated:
9.12
